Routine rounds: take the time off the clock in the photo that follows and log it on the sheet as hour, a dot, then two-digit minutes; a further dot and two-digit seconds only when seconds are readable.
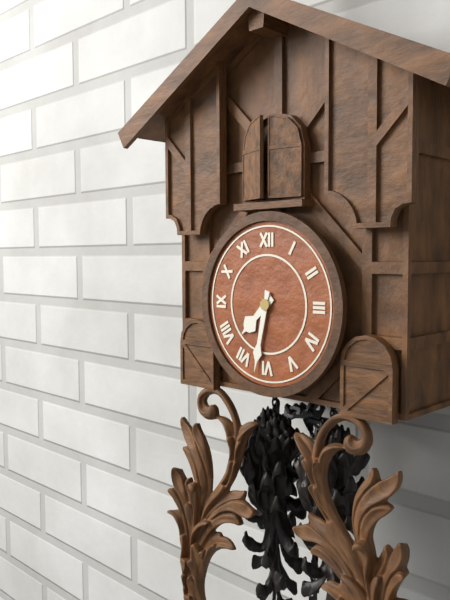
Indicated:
7.32
